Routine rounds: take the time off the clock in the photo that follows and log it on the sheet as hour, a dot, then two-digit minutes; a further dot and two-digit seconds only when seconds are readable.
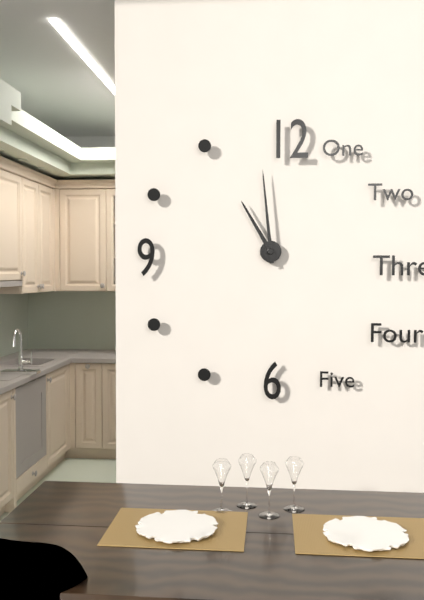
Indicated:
10.59
